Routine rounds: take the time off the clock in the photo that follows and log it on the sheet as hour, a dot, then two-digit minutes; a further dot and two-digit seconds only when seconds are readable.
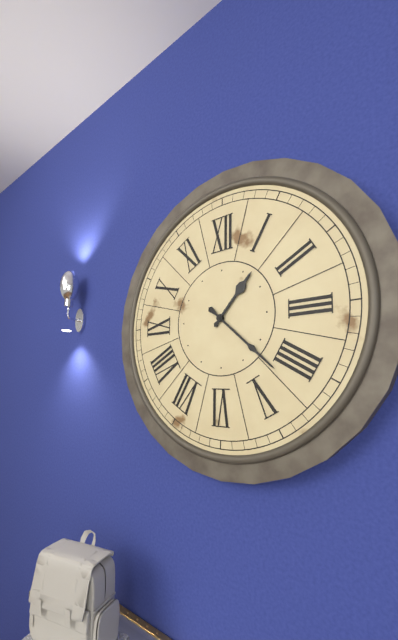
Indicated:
1.22
